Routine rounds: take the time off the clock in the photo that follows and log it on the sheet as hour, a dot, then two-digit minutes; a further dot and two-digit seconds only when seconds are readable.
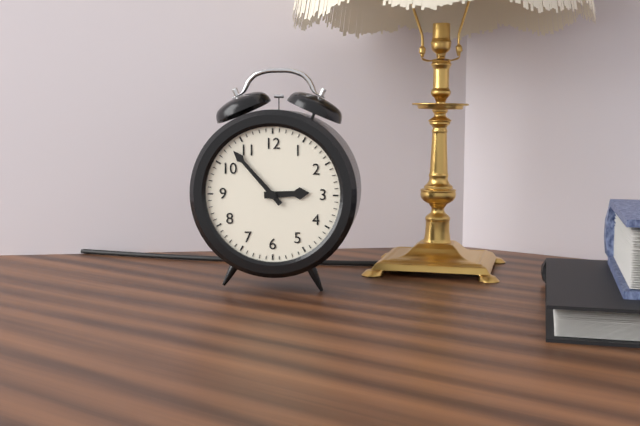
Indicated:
2.53
